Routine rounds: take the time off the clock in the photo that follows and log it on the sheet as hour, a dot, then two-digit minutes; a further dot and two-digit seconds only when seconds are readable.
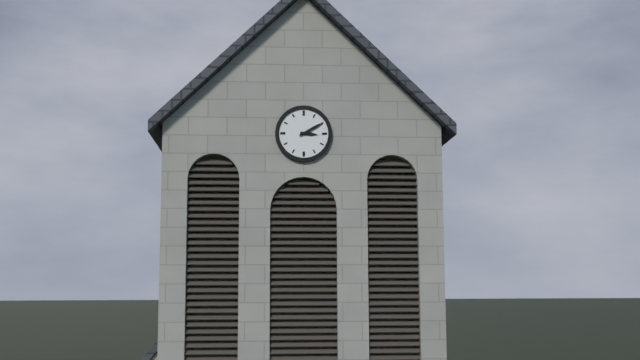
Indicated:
3.10
